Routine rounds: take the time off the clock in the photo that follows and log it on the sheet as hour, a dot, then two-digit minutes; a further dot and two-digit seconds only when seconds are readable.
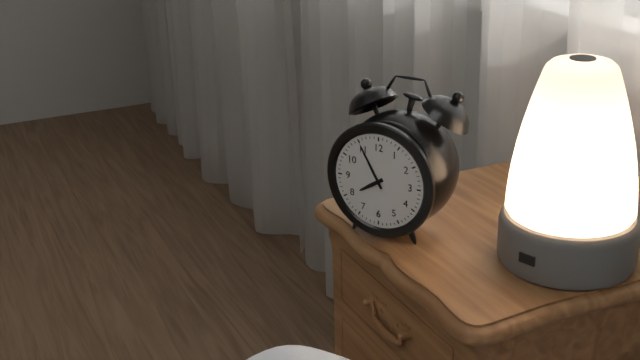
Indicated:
7.55
